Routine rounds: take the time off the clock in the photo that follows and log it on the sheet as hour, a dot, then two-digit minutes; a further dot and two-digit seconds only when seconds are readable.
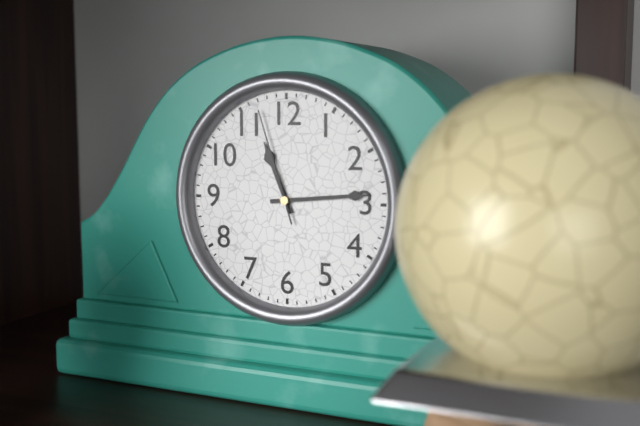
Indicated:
11.14.57
